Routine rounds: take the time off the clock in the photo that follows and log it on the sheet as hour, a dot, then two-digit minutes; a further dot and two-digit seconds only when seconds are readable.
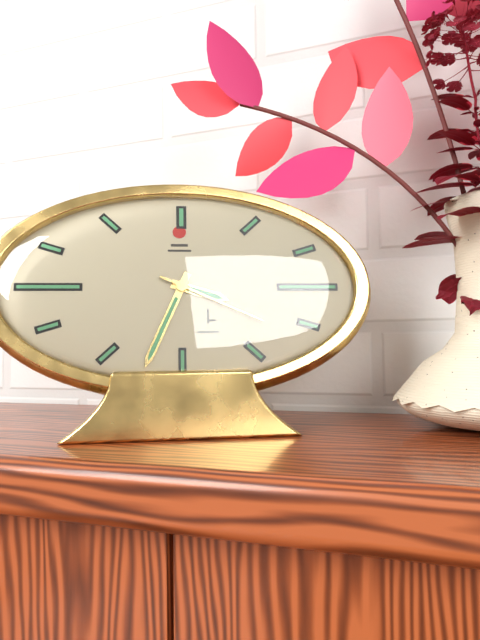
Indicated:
3.34.19
